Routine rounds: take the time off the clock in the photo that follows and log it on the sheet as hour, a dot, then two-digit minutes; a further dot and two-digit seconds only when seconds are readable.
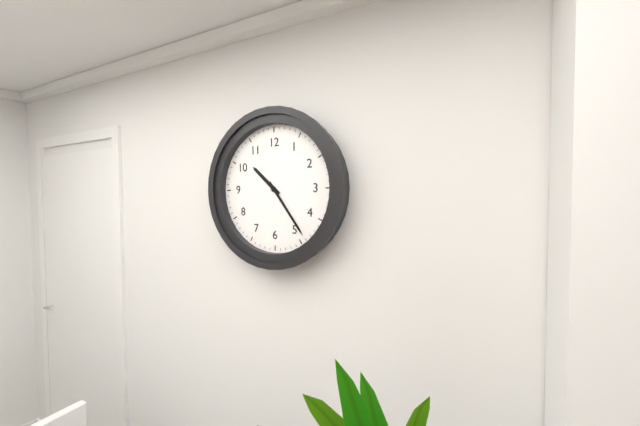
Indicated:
10.24
